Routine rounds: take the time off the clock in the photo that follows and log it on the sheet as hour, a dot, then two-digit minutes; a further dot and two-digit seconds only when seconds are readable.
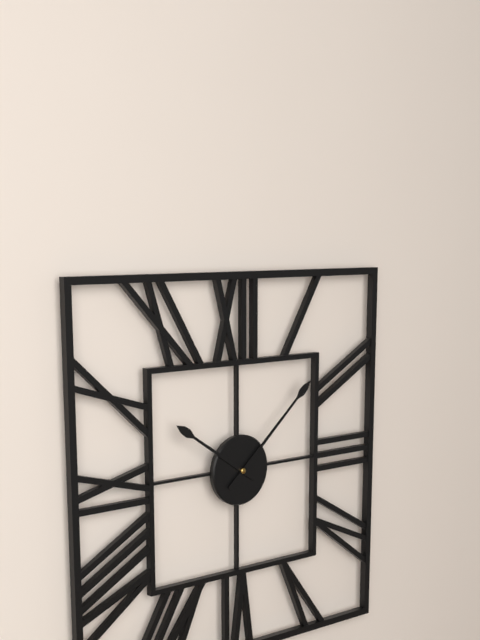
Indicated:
10.08
